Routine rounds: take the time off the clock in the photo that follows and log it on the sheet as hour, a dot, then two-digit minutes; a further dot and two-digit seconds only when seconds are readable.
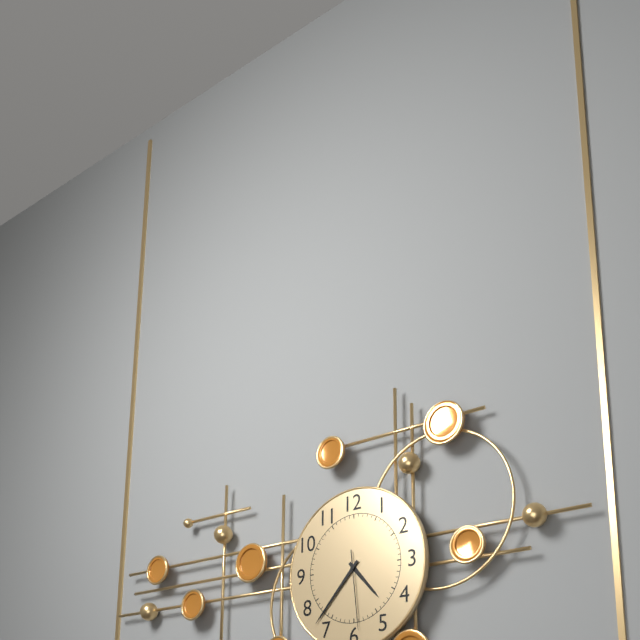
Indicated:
4.37.29
